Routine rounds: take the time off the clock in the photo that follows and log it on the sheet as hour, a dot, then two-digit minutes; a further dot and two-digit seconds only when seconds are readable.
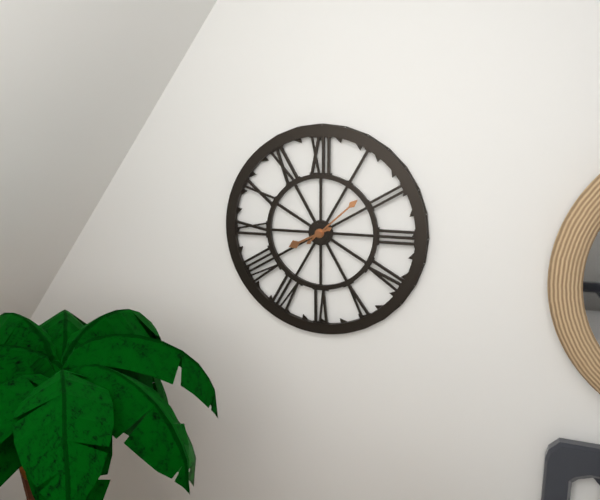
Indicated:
8.08
